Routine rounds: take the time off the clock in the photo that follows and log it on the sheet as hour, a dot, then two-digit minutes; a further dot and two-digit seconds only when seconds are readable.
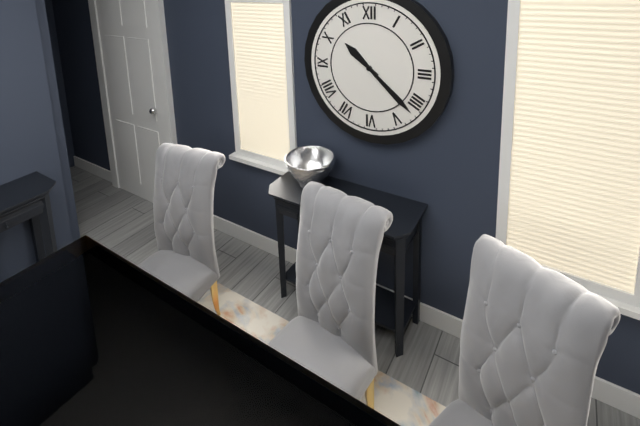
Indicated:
10.22
